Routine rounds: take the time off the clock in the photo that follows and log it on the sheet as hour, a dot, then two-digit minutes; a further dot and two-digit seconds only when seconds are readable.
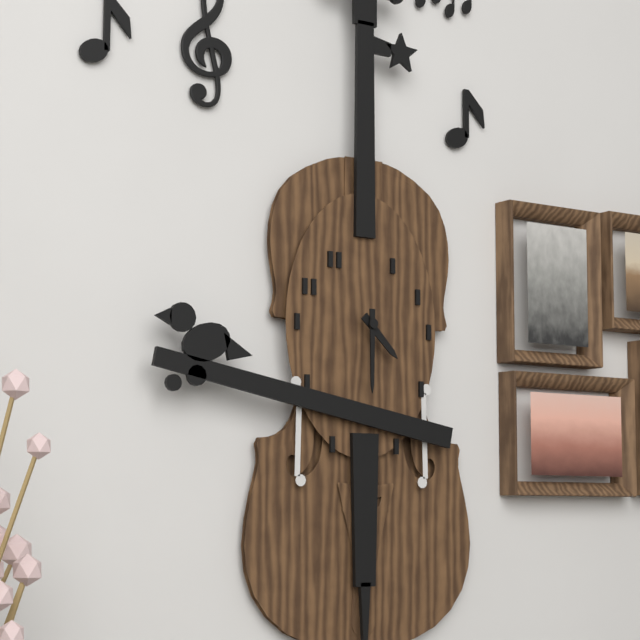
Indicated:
4.30
